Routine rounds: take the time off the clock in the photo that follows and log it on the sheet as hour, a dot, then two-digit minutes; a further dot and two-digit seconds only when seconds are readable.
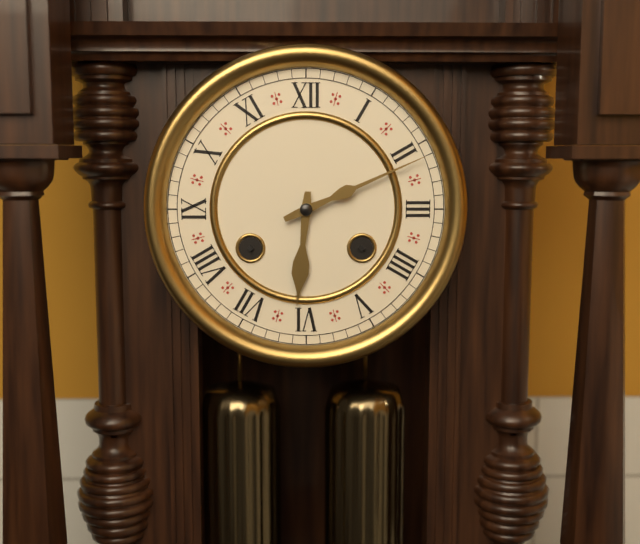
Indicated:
6.11
